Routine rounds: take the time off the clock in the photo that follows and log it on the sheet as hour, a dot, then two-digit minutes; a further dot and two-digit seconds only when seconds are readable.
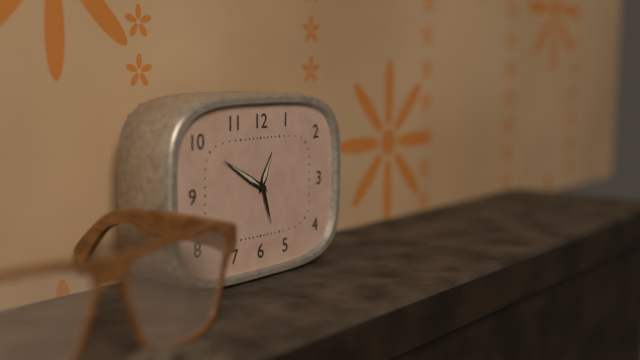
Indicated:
12.50
